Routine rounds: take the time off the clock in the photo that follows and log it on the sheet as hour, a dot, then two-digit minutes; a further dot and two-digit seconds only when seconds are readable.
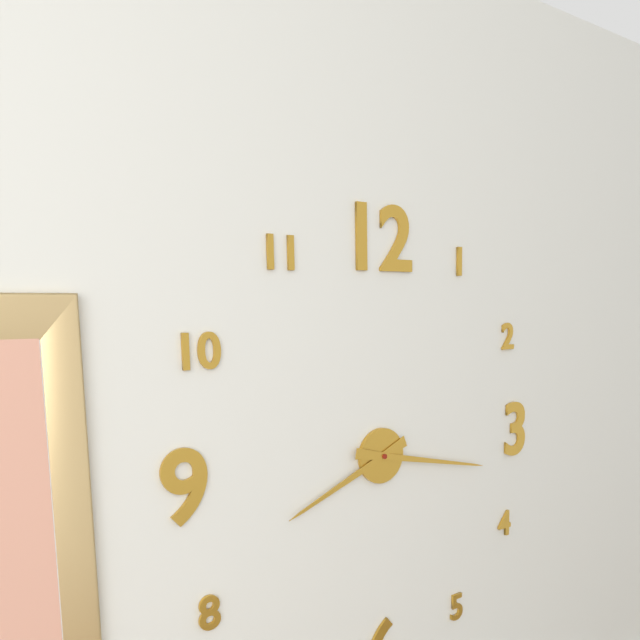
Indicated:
8.17
